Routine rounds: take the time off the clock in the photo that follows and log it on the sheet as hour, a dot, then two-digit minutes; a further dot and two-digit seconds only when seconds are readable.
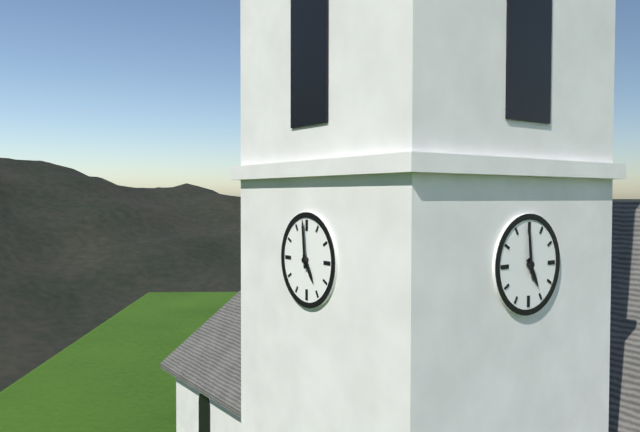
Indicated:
4.59
